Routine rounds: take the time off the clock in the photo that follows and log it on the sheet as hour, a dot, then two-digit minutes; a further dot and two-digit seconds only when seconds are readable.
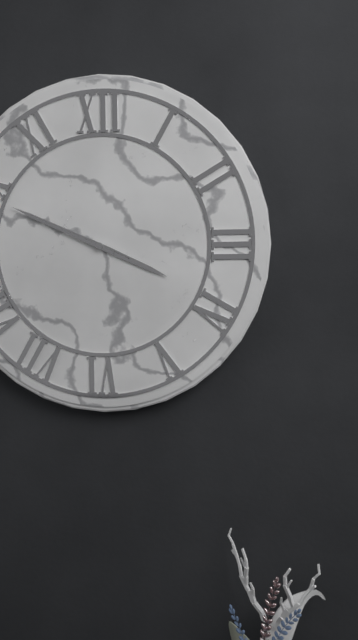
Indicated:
3.49.49
